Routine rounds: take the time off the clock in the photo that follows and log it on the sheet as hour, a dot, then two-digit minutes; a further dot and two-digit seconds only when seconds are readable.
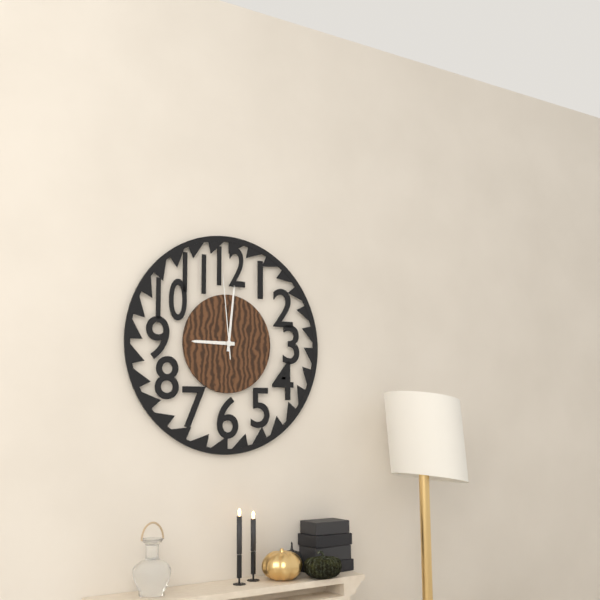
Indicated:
9.01.59
